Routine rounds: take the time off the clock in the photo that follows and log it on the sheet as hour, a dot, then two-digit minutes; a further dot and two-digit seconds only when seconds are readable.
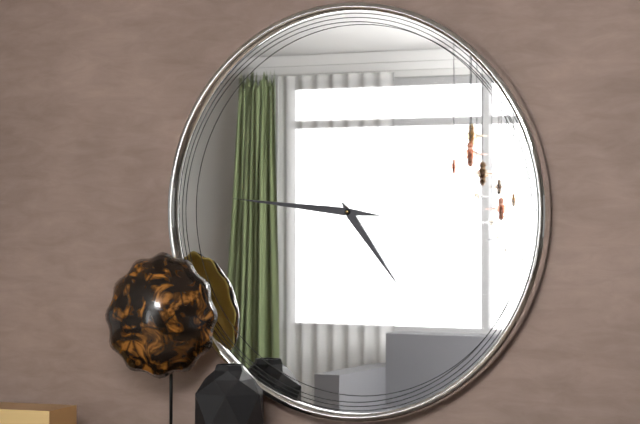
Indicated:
4.46
